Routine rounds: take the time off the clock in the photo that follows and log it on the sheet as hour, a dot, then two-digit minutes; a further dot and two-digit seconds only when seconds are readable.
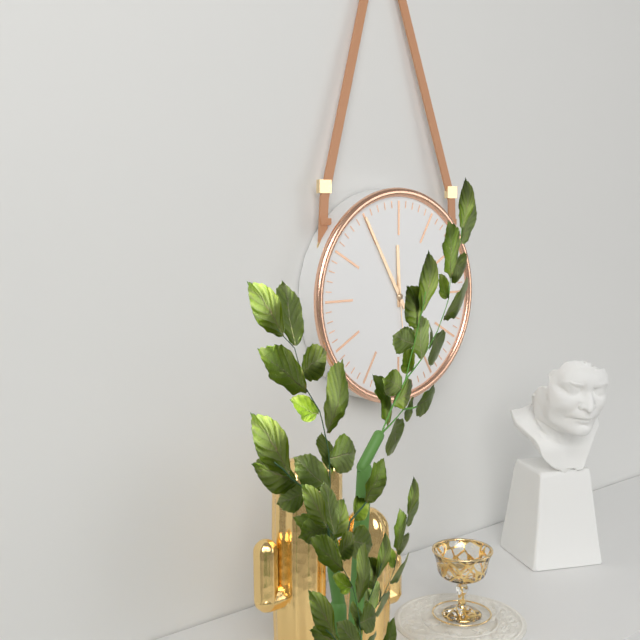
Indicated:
11.55.29
